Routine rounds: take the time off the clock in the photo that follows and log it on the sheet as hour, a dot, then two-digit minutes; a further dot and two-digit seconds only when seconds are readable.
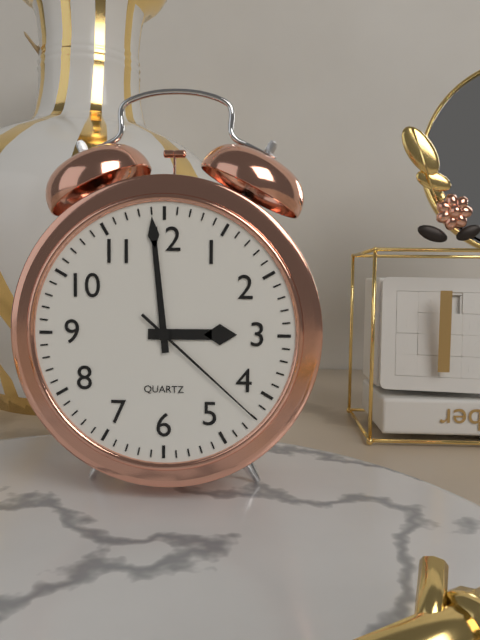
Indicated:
2.59.22
